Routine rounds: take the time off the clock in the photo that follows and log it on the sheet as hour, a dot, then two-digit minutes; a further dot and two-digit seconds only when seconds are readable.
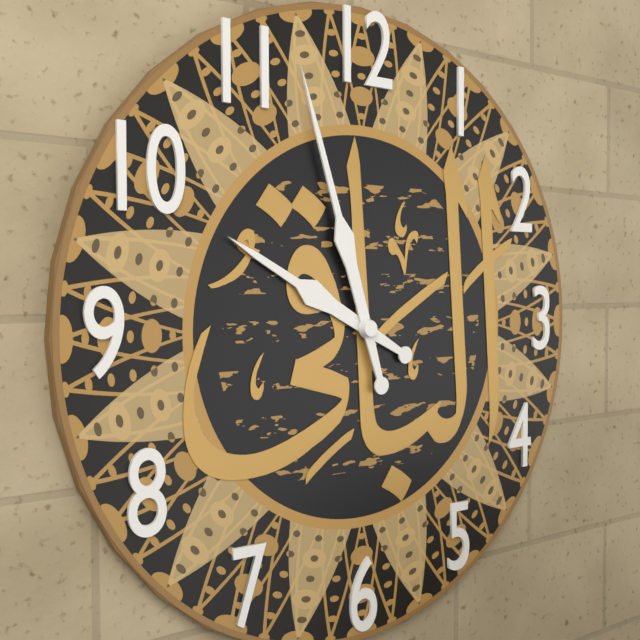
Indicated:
9.57
